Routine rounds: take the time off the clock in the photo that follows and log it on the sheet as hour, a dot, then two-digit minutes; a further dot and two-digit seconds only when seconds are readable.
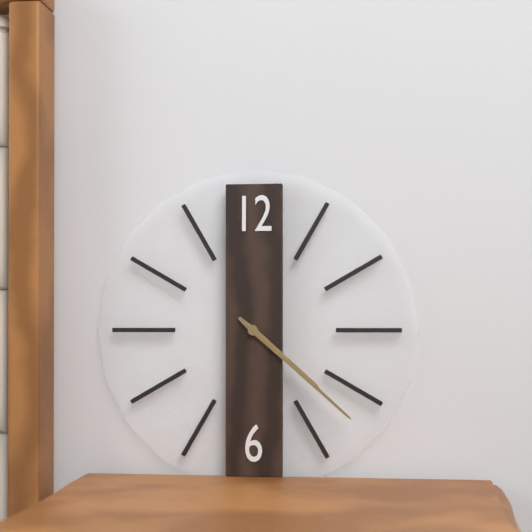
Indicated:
4.22
